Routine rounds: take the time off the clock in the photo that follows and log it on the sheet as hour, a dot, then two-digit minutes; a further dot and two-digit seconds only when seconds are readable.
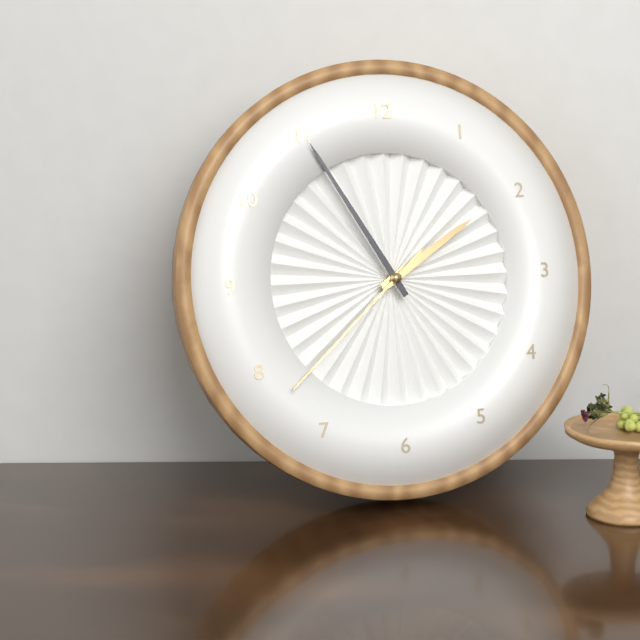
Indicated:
1.55.38
